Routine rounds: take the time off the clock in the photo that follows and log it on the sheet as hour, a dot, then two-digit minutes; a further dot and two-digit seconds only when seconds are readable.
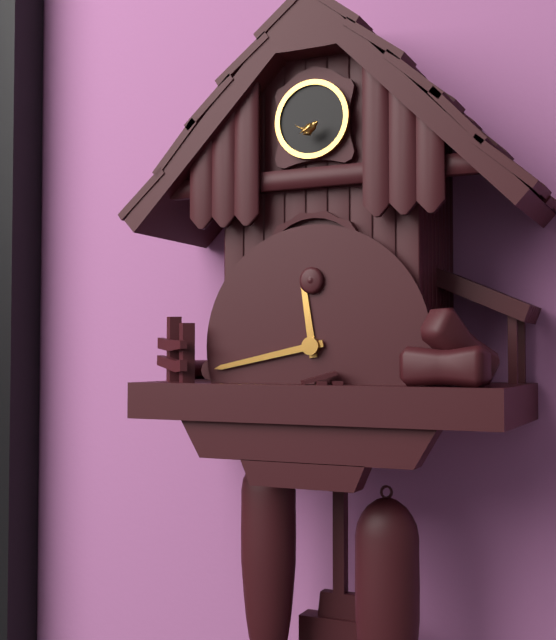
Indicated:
11.43
